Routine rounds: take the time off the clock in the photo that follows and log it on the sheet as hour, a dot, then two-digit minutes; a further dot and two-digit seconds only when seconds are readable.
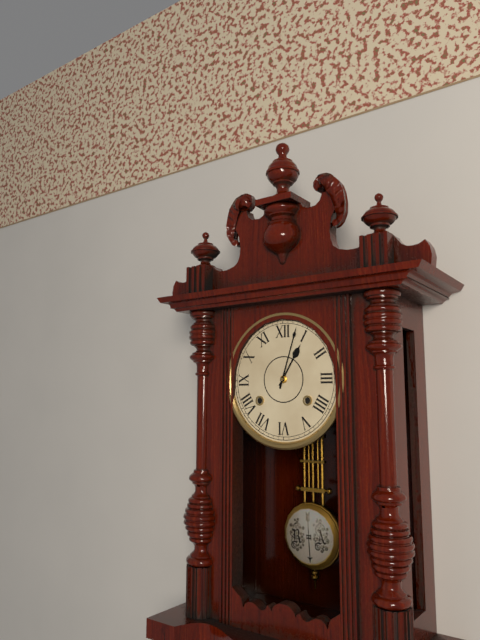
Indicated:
1.03
